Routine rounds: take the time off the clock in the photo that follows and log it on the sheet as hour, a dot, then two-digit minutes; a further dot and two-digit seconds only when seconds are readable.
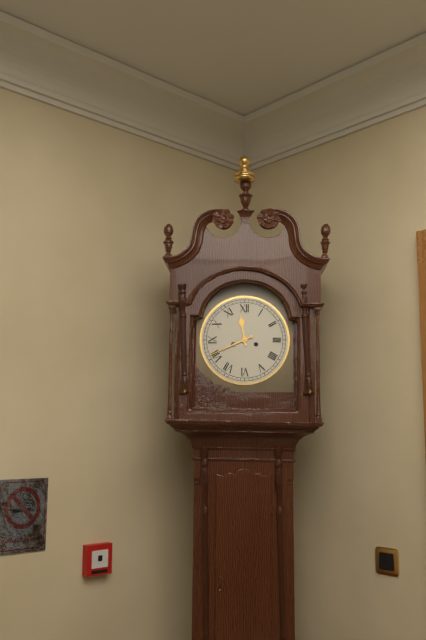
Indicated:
11.41
